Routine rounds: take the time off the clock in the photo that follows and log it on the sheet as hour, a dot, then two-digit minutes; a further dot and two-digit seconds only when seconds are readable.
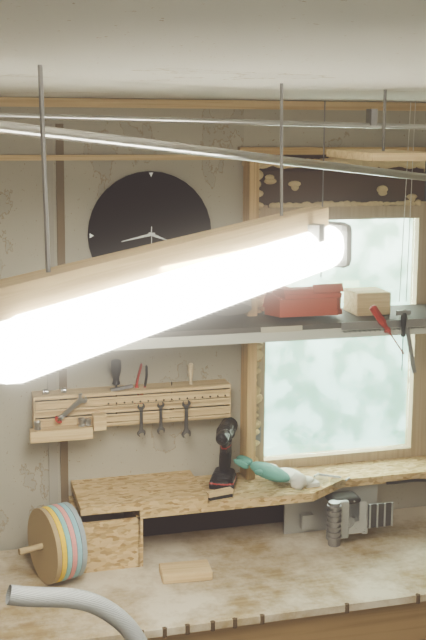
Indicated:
3.43
